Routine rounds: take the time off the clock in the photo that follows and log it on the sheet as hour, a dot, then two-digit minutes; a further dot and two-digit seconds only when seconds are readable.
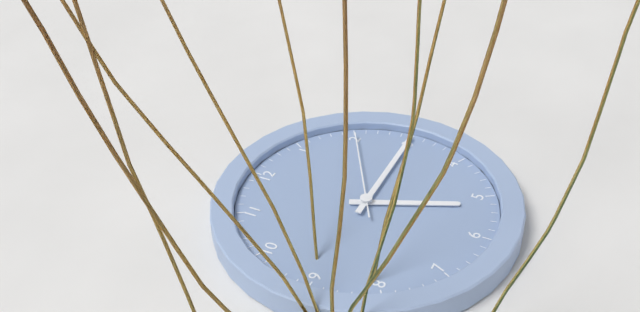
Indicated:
5.15.10
